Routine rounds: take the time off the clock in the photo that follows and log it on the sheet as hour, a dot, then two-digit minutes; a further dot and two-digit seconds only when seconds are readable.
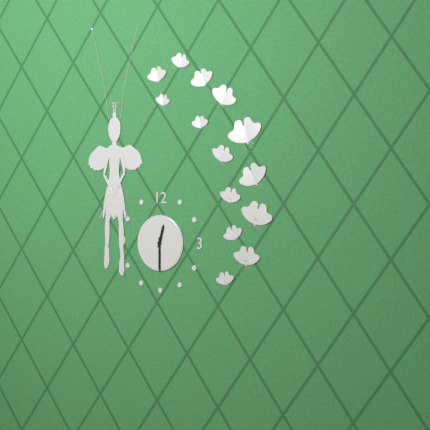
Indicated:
12.30
